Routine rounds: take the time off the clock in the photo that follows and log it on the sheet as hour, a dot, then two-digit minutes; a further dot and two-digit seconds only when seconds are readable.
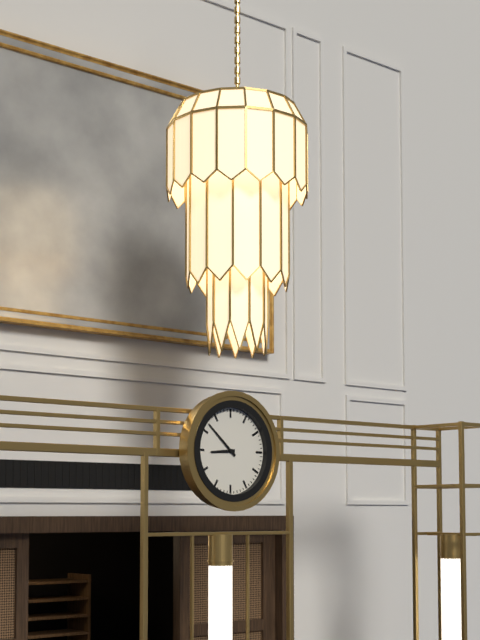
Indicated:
8.52
